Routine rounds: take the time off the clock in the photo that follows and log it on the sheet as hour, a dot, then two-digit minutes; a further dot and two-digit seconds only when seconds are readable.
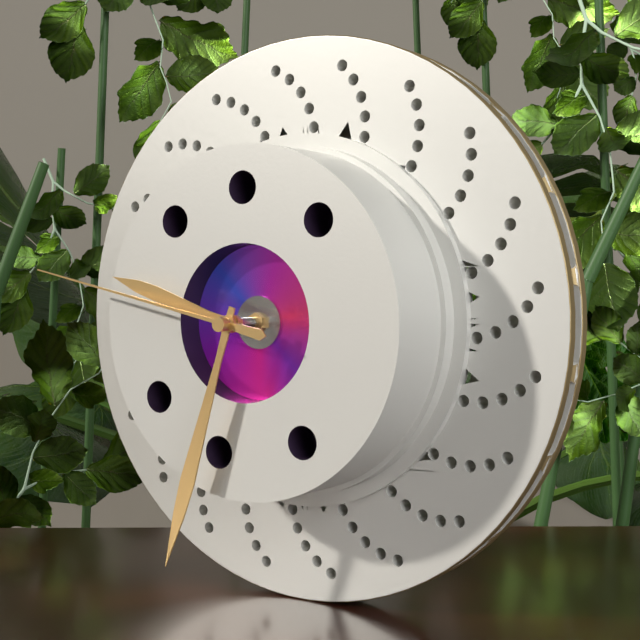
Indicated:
9.33.47
